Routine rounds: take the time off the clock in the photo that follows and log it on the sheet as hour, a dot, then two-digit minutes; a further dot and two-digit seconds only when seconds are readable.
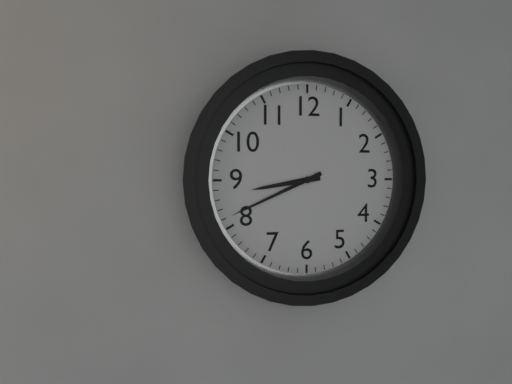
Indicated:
8.41
